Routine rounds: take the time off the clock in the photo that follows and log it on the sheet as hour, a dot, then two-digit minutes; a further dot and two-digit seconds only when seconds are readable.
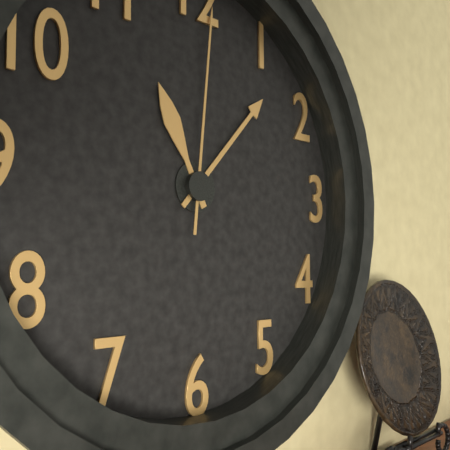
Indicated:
11.07.01
